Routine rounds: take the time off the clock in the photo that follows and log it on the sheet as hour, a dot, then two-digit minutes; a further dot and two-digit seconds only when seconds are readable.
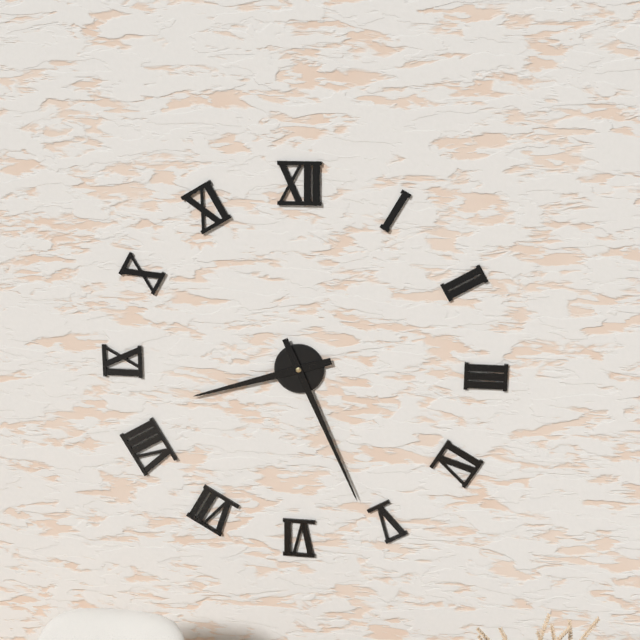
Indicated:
8.26
